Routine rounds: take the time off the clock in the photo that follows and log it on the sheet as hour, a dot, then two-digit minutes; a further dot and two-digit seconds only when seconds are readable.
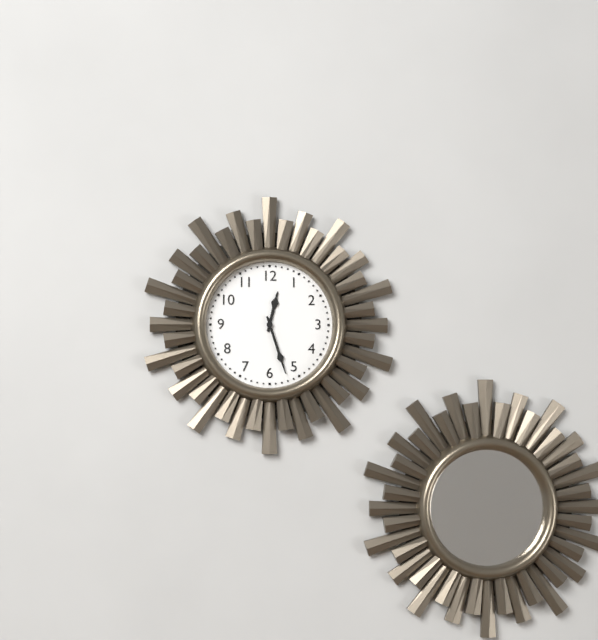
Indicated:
12.27
